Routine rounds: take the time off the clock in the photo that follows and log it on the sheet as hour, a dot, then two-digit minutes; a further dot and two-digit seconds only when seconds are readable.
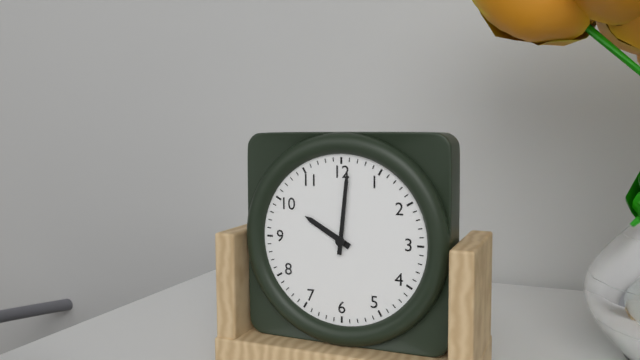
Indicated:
10.01
